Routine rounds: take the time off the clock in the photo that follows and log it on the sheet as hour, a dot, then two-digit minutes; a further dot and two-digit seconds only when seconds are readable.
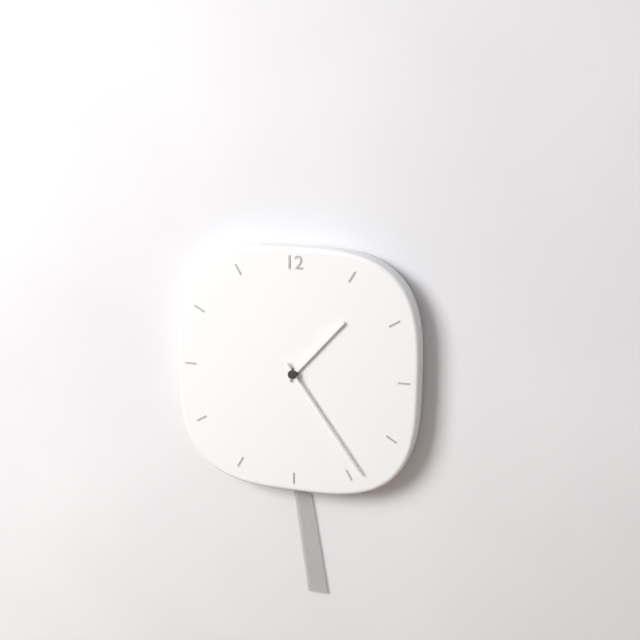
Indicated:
1.24
